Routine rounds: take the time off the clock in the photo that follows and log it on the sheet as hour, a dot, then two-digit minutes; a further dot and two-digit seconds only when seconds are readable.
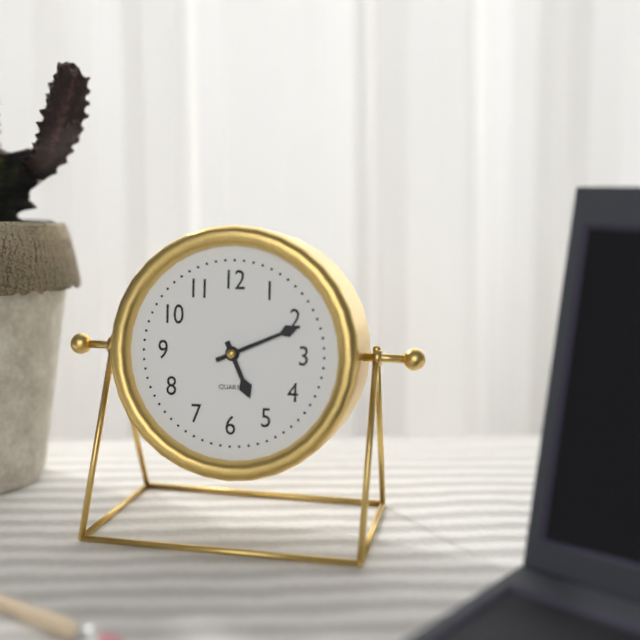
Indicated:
5.11
